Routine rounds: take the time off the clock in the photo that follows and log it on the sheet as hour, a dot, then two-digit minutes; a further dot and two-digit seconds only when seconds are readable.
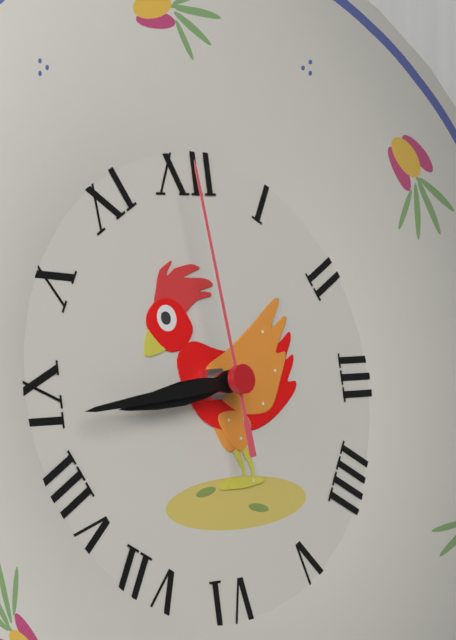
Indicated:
8.44.59
